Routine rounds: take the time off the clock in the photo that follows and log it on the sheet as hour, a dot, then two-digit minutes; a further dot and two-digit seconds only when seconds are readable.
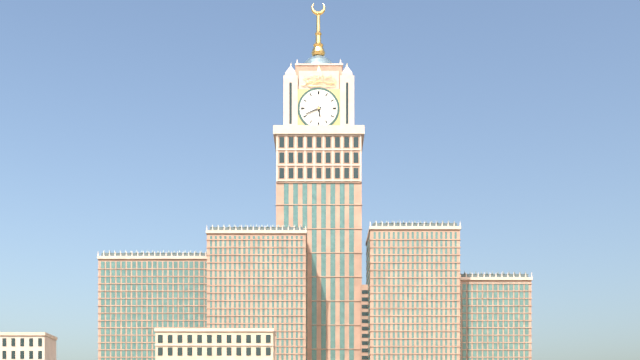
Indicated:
5.41
